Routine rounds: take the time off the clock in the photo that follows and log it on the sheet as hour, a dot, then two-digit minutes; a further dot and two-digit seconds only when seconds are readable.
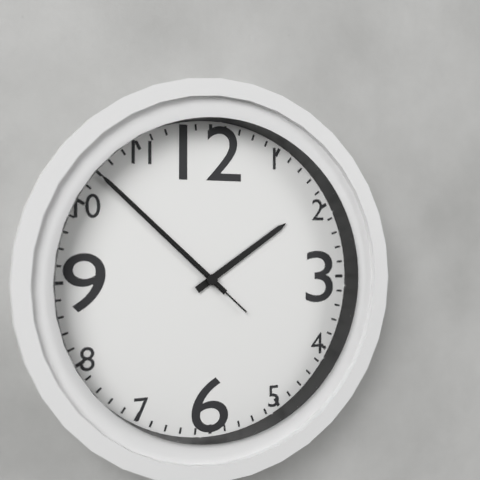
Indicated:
1.52.52
